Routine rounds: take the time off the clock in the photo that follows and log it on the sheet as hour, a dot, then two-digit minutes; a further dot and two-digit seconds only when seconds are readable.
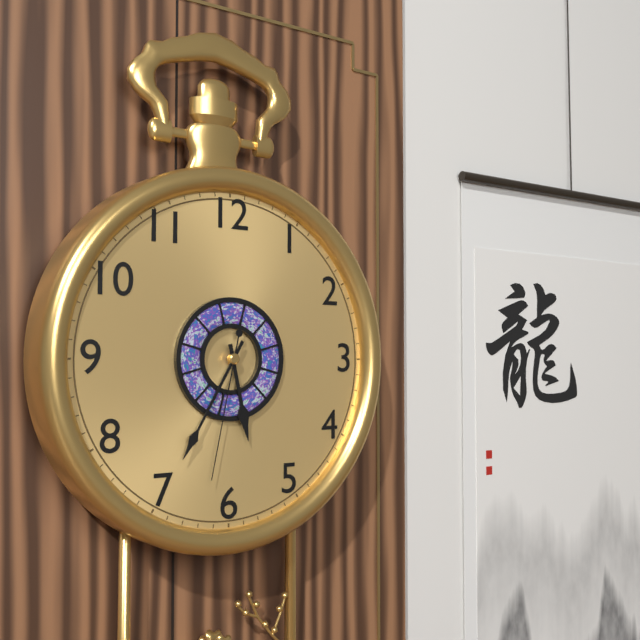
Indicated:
5.35.32
